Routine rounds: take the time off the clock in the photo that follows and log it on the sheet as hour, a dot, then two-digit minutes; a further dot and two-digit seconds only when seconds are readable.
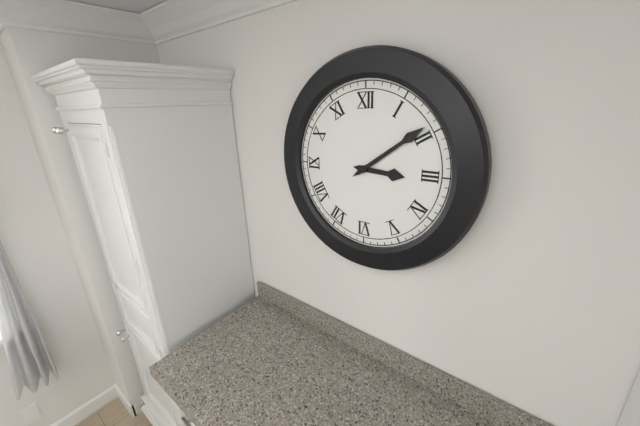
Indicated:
3.09
